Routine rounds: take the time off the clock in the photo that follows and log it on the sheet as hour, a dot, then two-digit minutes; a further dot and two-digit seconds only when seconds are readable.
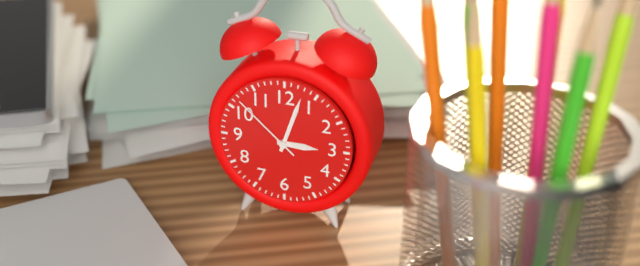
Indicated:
3.03.52
